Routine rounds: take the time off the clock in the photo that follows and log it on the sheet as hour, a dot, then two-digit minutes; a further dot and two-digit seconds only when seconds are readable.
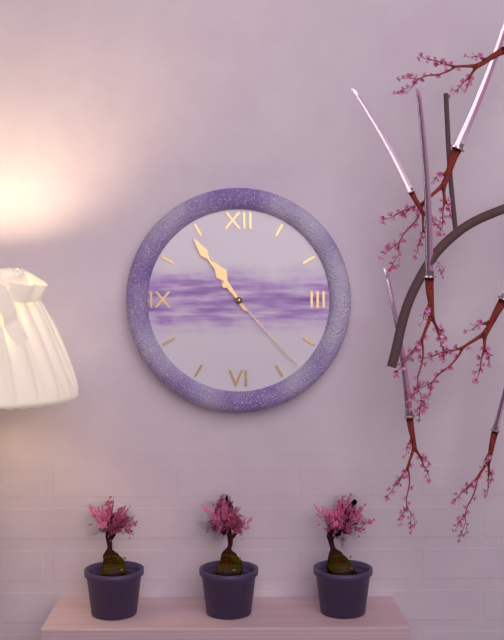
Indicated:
10.54.23
